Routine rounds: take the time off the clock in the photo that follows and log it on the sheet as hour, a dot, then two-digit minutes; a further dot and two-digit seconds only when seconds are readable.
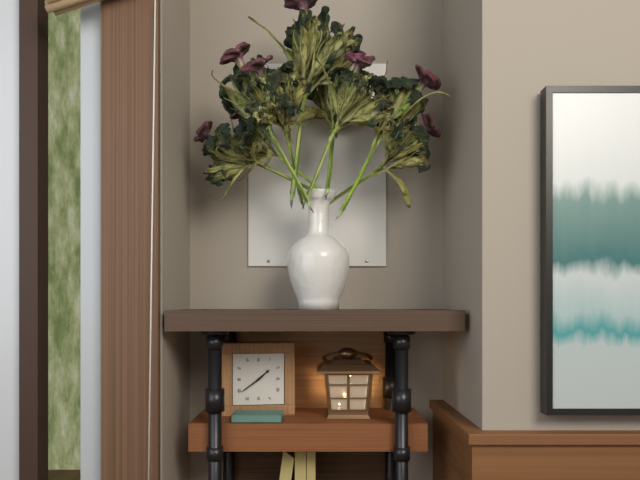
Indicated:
1.39
